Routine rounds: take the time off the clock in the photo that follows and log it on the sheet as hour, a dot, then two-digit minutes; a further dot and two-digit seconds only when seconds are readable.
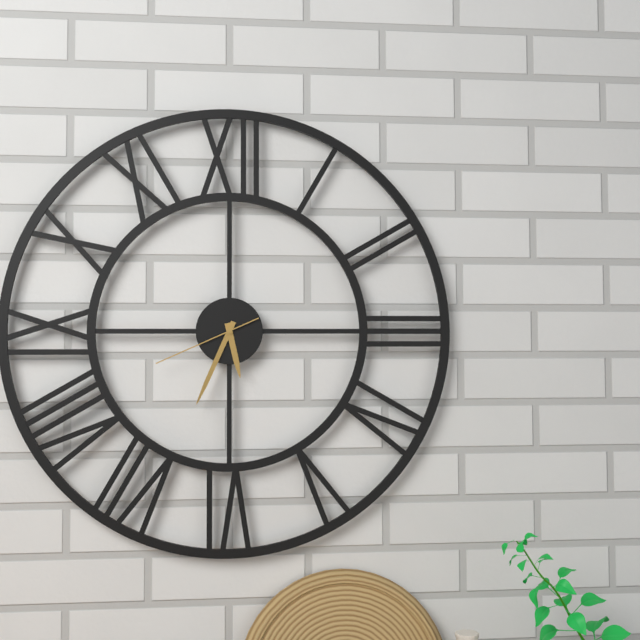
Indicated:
5.34.41
